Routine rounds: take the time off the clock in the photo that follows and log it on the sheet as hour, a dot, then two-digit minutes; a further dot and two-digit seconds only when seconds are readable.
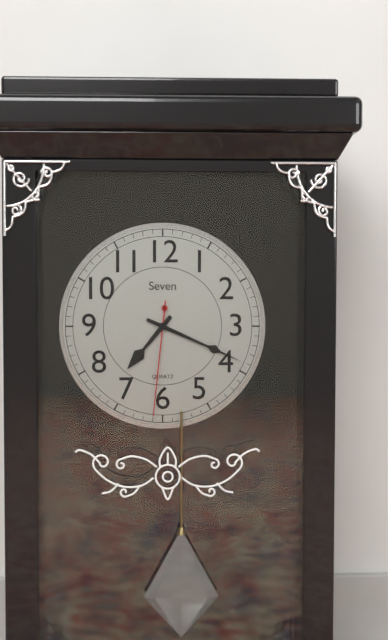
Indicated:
7.19.31
